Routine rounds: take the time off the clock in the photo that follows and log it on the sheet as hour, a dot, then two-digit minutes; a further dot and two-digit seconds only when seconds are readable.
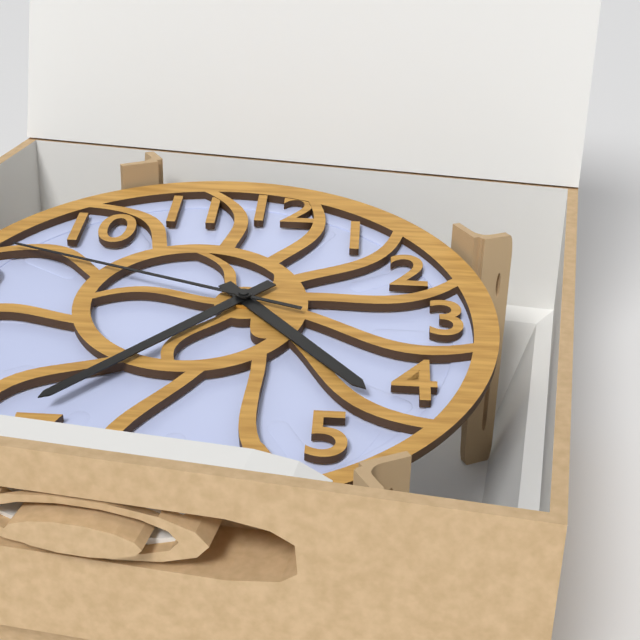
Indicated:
4.37.48
